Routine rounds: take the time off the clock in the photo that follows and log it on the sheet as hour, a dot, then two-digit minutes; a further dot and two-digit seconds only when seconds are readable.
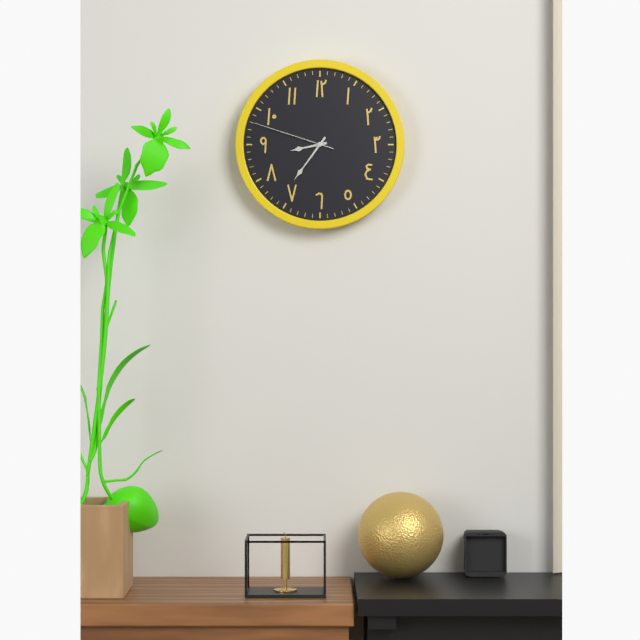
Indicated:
8.36.48
